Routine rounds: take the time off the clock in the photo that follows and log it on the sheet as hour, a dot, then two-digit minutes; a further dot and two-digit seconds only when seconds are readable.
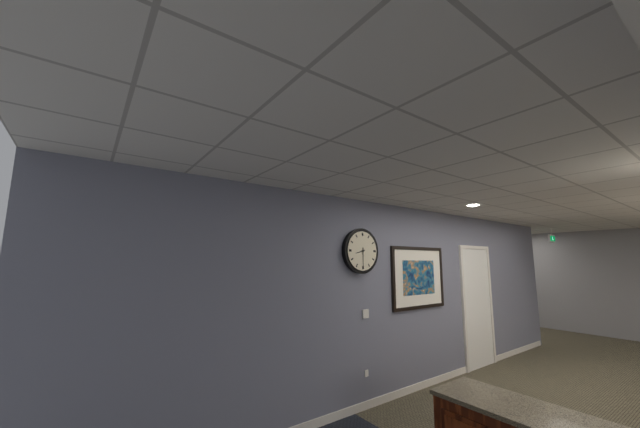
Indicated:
8.30
